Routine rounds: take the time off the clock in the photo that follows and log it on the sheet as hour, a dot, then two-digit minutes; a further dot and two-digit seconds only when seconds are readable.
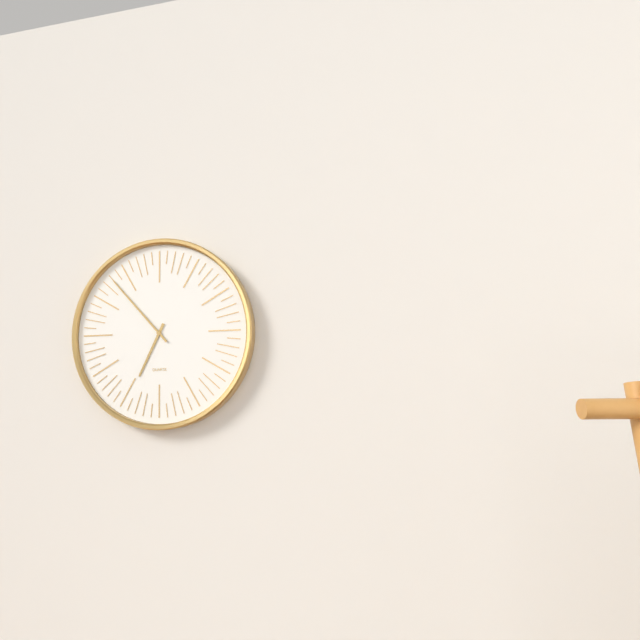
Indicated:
6.53
